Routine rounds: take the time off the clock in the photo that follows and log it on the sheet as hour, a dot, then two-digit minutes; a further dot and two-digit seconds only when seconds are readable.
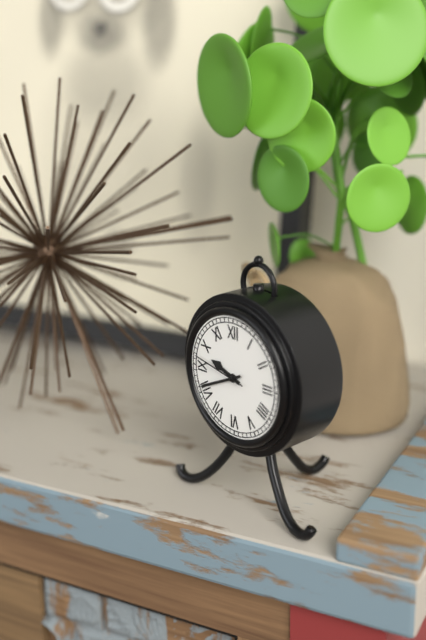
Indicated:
9.41.47
